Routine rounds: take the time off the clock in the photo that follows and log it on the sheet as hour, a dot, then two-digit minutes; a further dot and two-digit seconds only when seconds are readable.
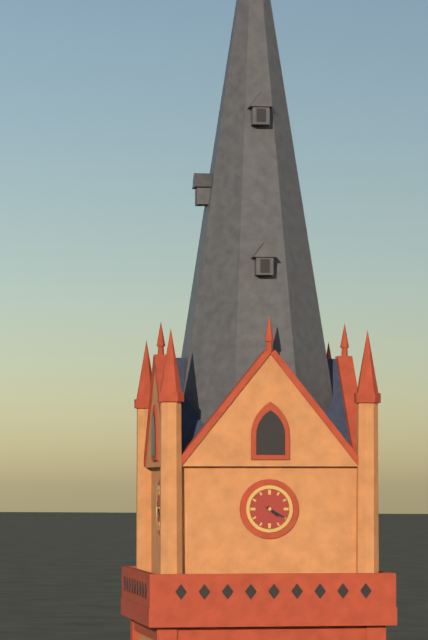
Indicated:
4.20
